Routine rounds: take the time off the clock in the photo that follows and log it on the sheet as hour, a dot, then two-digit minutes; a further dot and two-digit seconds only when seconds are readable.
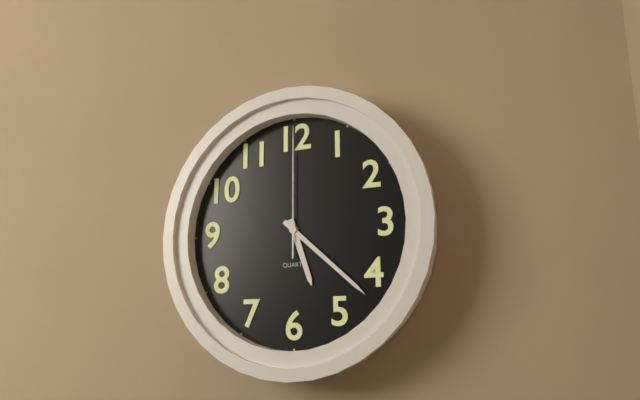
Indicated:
5.22.00
